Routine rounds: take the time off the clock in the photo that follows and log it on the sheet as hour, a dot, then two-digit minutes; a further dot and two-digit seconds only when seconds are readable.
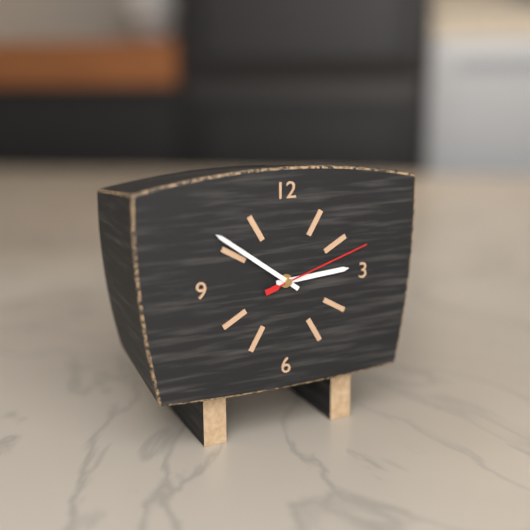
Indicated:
2.51.12
